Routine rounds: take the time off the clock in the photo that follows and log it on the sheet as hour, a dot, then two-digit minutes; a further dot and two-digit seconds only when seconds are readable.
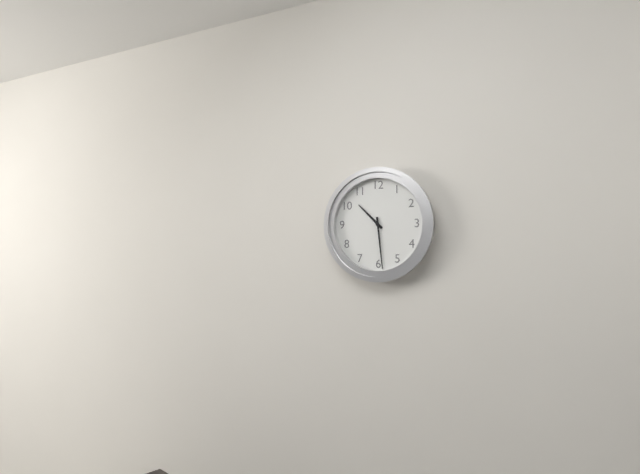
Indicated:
10.29
